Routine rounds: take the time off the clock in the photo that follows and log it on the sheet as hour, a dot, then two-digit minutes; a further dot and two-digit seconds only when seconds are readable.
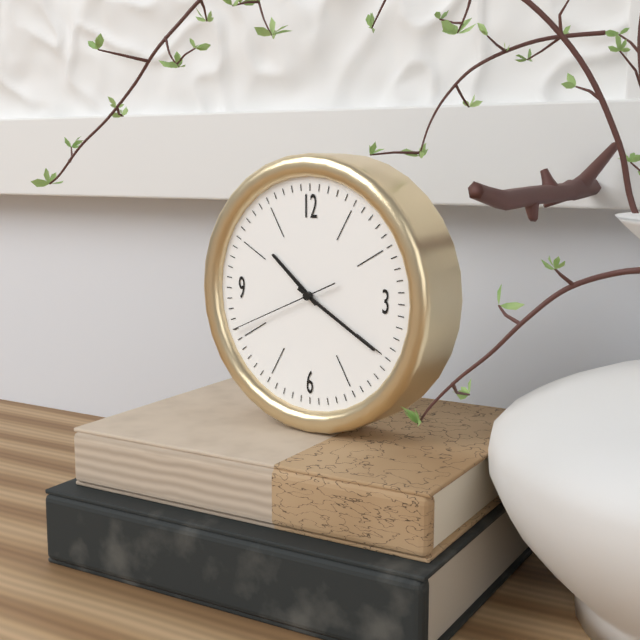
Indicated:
10.20.41
